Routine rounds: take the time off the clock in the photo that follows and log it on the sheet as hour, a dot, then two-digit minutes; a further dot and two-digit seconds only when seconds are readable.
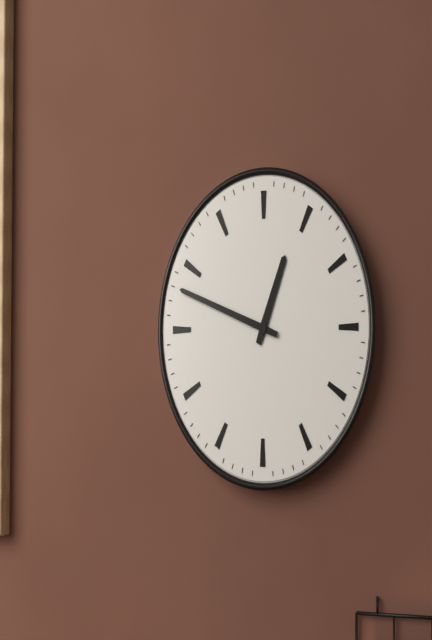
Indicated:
12.48
